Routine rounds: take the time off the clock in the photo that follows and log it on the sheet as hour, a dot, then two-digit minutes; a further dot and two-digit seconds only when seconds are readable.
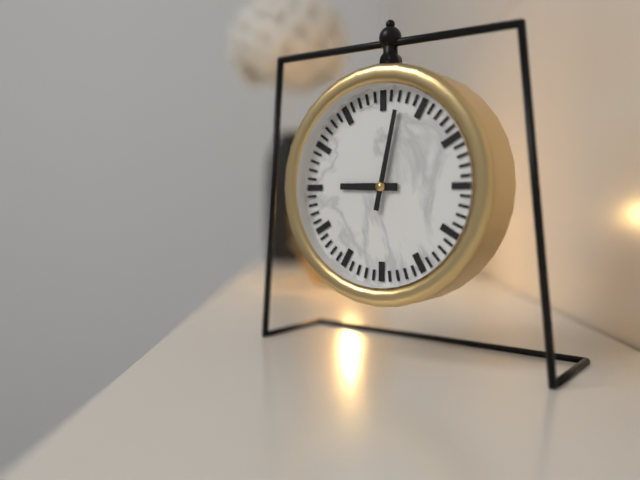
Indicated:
9.02
